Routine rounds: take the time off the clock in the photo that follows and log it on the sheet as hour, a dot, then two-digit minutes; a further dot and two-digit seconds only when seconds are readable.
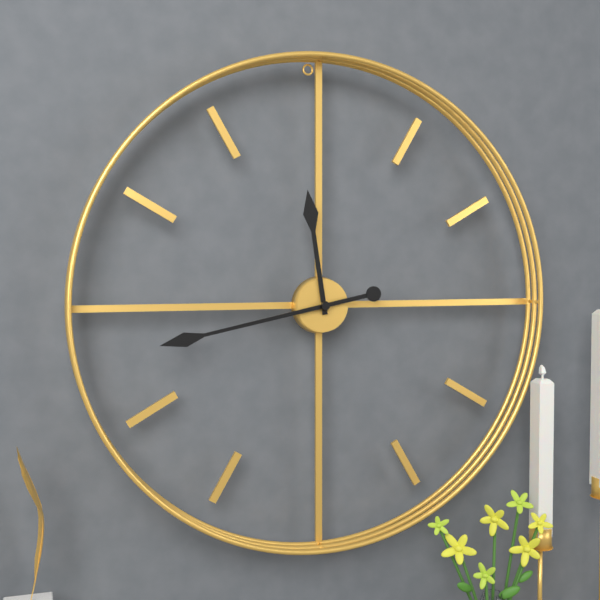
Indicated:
11.43
